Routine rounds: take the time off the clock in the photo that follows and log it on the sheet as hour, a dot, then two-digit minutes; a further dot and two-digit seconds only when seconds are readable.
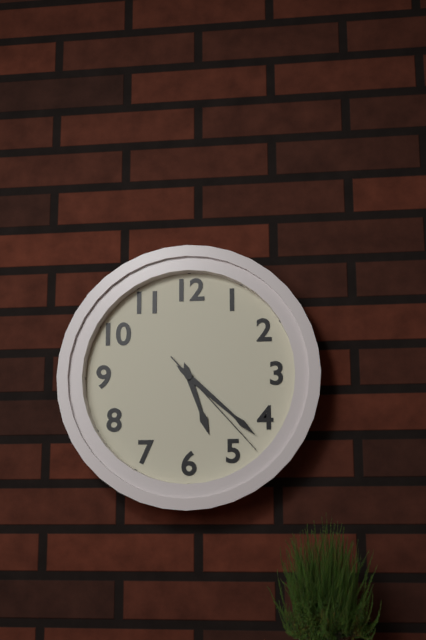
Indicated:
5.22.23
